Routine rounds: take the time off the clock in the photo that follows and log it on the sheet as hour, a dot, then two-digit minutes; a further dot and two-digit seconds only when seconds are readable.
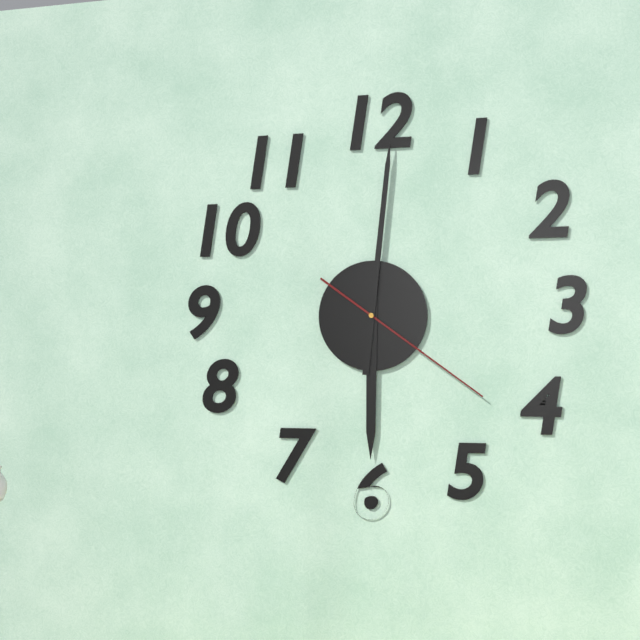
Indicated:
6.01.21
